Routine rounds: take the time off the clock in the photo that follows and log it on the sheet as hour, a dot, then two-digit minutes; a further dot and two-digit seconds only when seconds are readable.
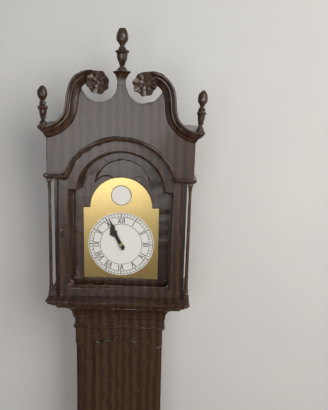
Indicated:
10.56
